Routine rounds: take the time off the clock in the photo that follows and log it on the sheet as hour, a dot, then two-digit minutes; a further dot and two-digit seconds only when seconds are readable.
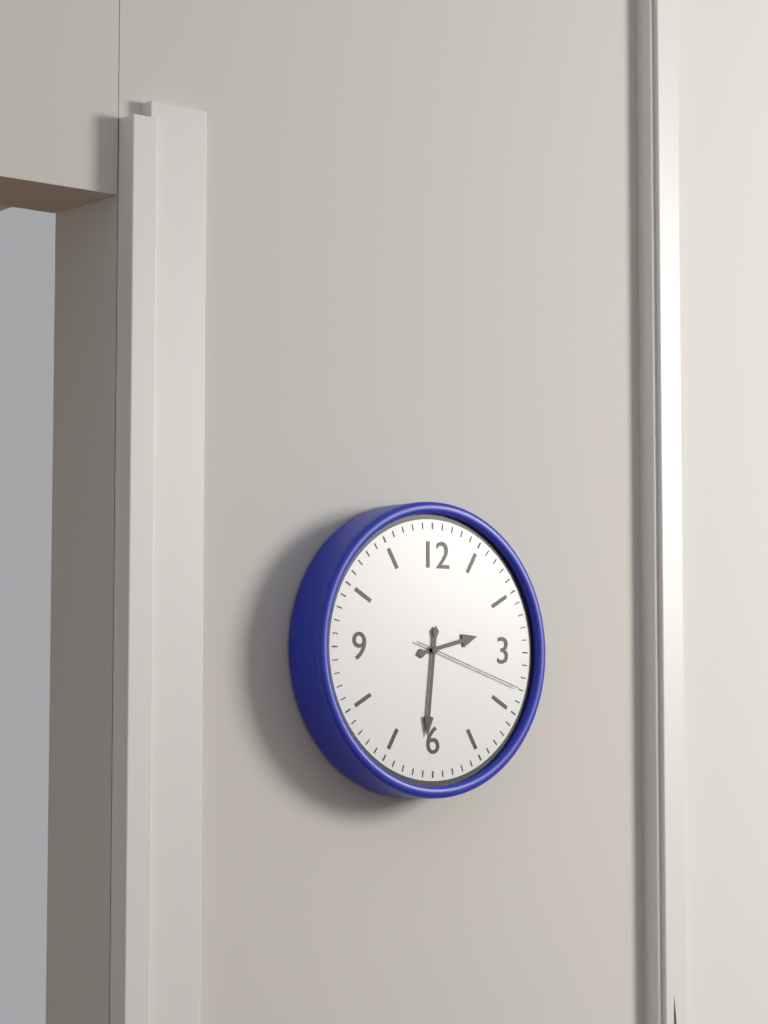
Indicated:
2.31.18
